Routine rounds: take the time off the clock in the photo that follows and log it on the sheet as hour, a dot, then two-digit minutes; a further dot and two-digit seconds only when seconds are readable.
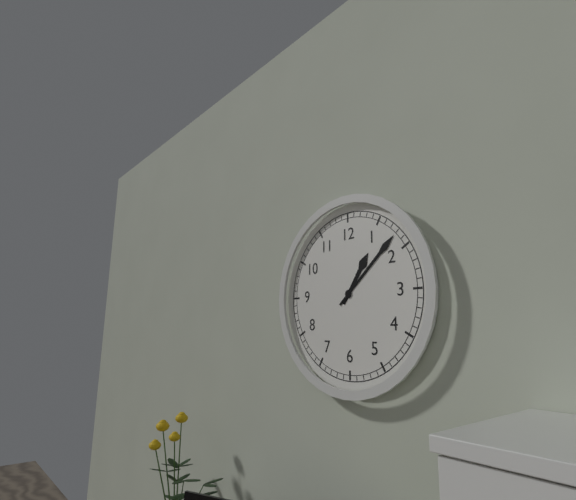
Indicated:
1.08
